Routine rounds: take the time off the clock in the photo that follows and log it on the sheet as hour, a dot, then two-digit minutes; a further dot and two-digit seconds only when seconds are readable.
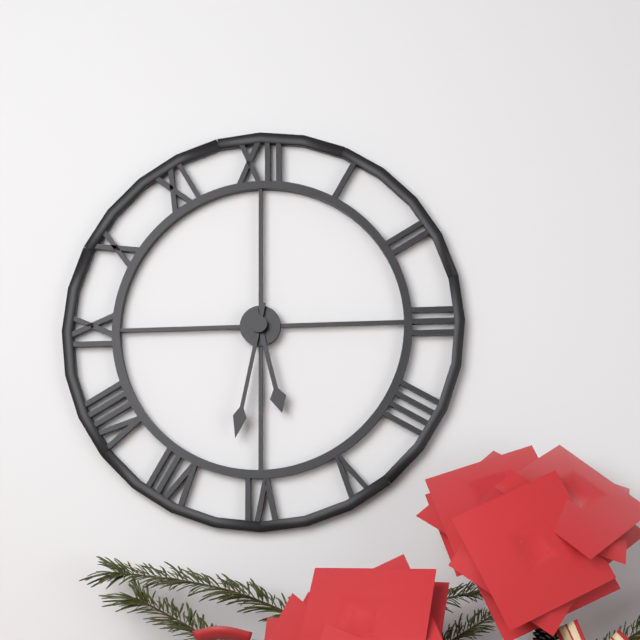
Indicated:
5.32
